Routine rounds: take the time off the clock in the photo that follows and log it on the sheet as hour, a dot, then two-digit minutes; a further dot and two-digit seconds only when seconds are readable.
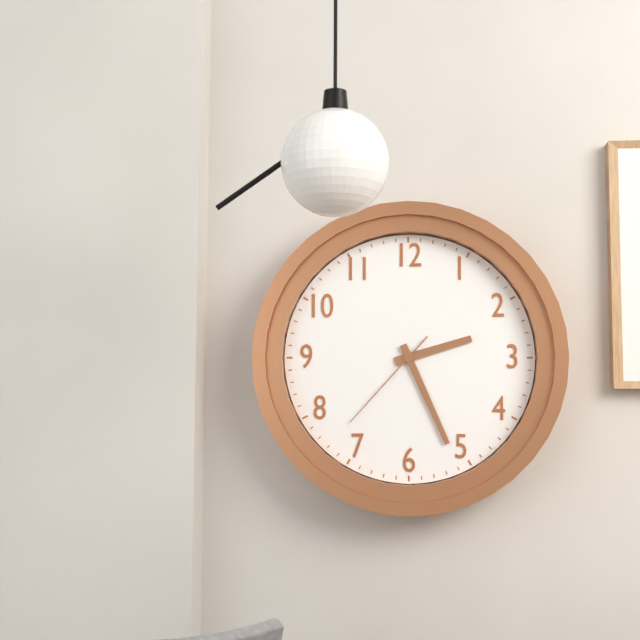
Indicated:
2.26.37
